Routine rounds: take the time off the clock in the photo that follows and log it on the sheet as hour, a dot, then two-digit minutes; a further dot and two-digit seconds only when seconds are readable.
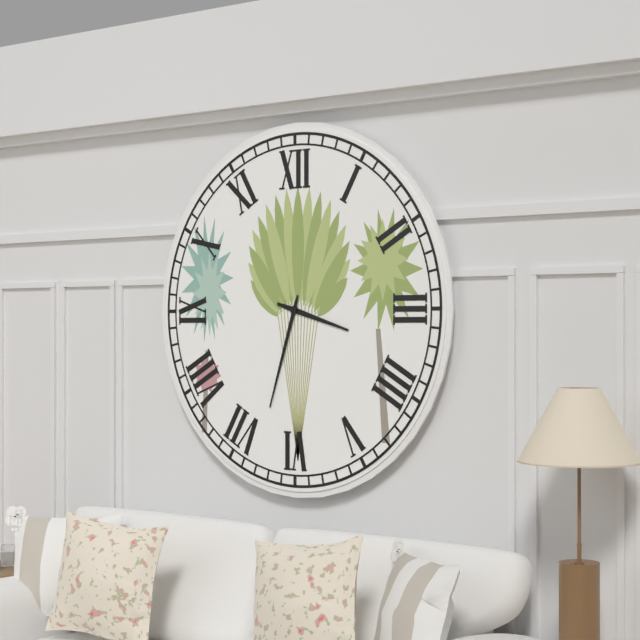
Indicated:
3.33
